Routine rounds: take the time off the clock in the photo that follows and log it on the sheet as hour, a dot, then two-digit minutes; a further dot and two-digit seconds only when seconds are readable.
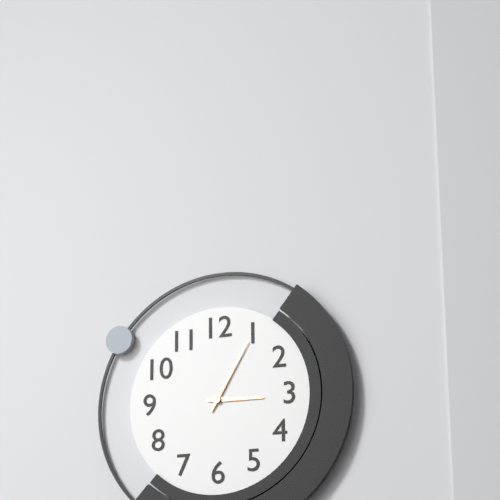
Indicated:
3.05
